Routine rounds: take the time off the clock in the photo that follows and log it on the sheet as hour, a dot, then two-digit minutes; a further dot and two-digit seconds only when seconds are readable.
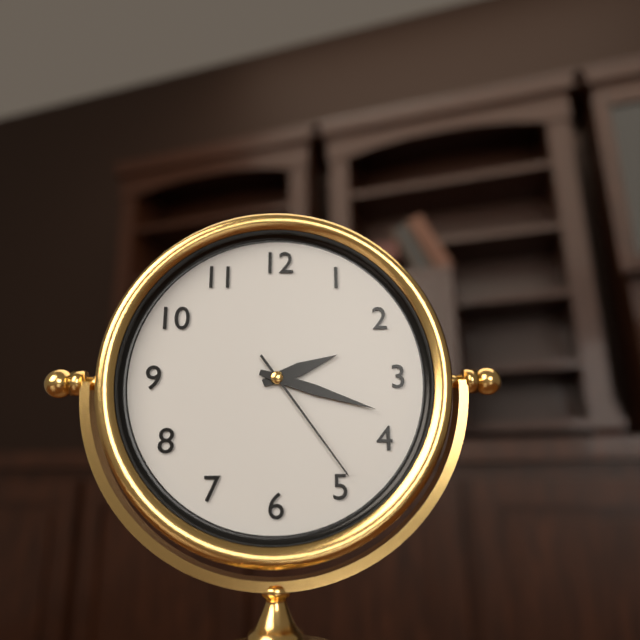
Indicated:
2.18.24
